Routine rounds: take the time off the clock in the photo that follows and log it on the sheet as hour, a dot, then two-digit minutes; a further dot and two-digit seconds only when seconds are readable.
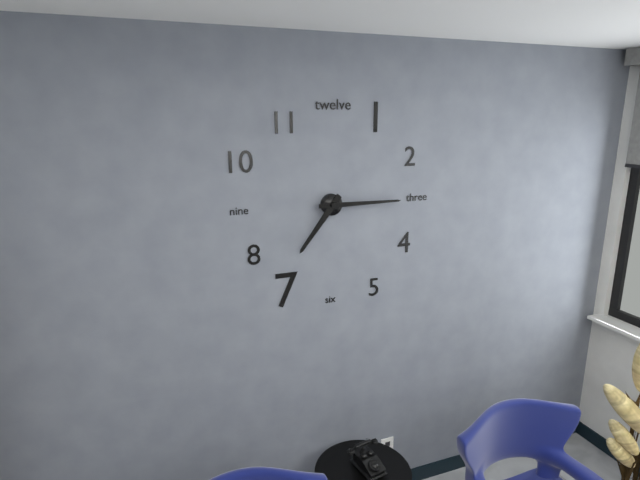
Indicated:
7.15
